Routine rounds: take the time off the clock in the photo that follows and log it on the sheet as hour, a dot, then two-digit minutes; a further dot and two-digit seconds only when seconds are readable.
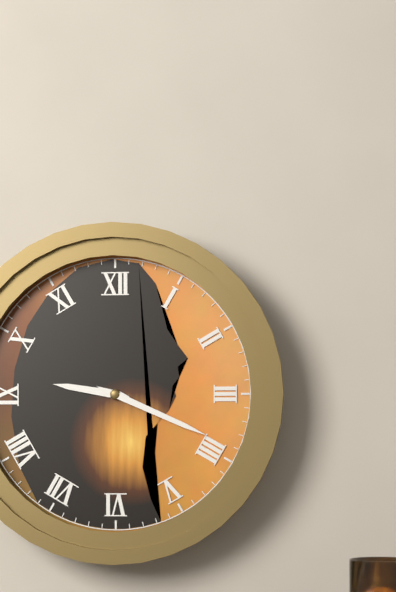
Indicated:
9.19
